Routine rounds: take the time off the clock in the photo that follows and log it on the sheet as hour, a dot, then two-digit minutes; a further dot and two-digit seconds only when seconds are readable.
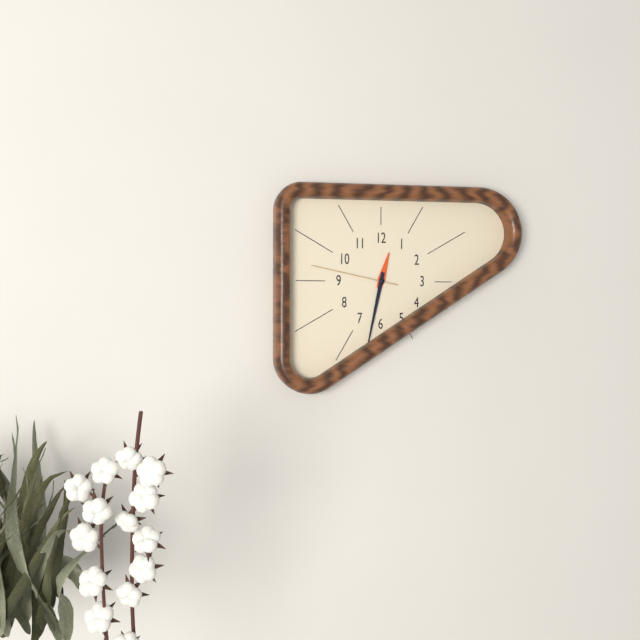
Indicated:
12.32.47
